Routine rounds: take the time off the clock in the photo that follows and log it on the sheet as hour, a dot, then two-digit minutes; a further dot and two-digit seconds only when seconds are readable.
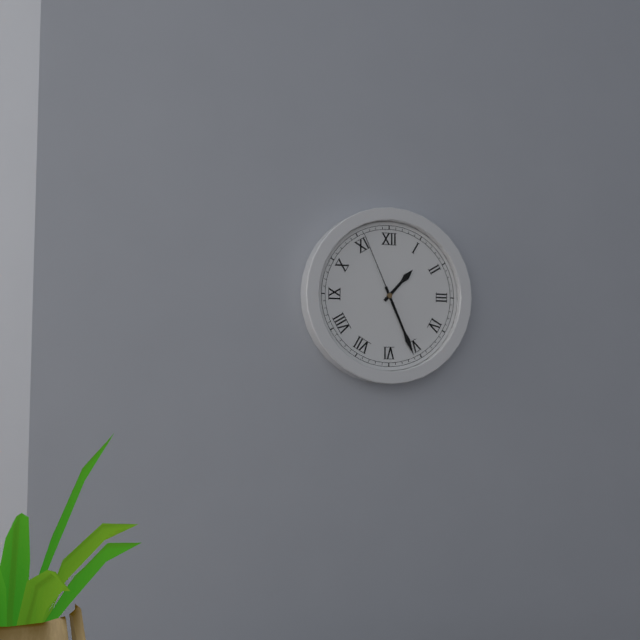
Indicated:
1.26.56
